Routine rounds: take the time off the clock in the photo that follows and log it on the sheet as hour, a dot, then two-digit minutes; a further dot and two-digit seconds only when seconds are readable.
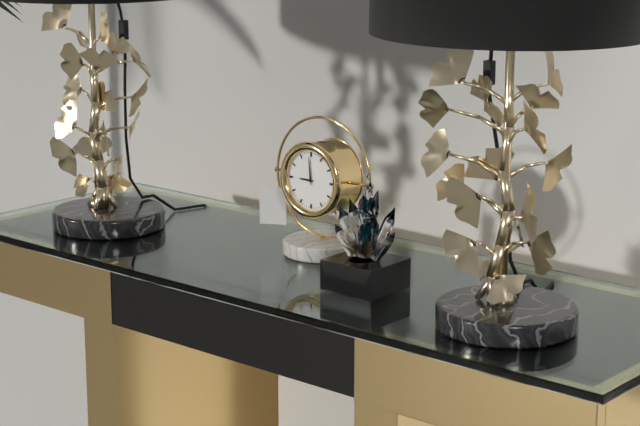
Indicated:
8.59
